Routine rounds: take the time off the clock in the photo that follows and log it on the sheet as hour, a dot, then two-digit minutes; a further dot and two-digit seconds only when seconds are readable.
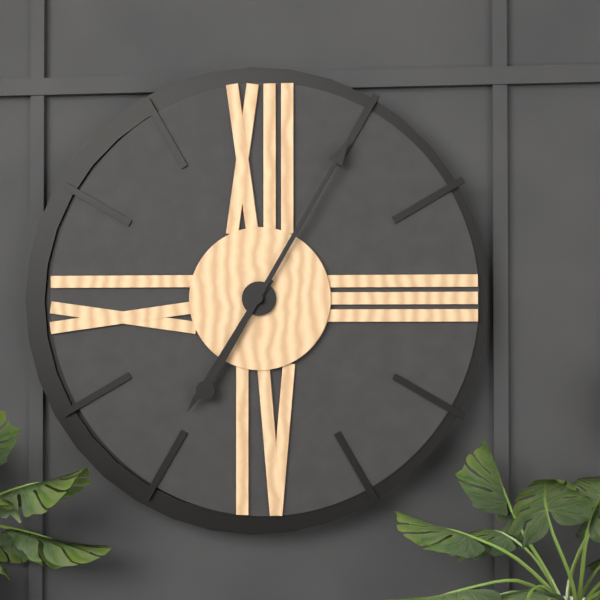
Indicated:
7.05
